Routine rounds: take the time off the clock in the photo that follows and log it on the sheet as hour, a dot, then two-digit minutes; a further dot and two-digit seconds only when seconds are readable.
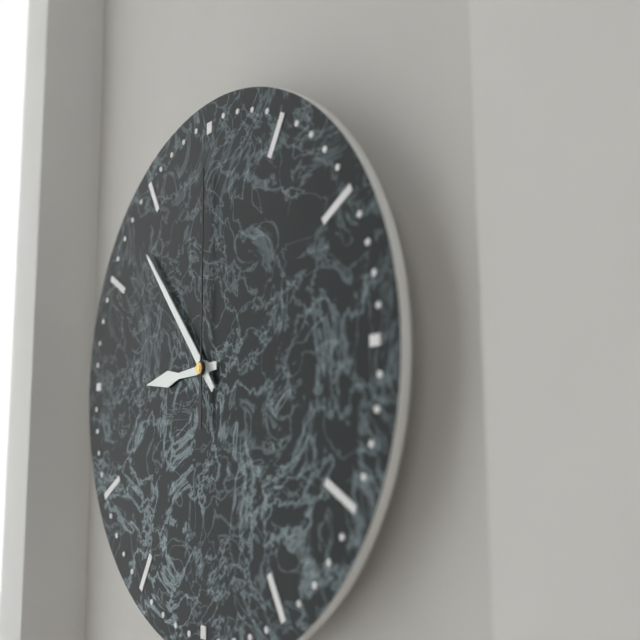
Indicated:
8.53.00
